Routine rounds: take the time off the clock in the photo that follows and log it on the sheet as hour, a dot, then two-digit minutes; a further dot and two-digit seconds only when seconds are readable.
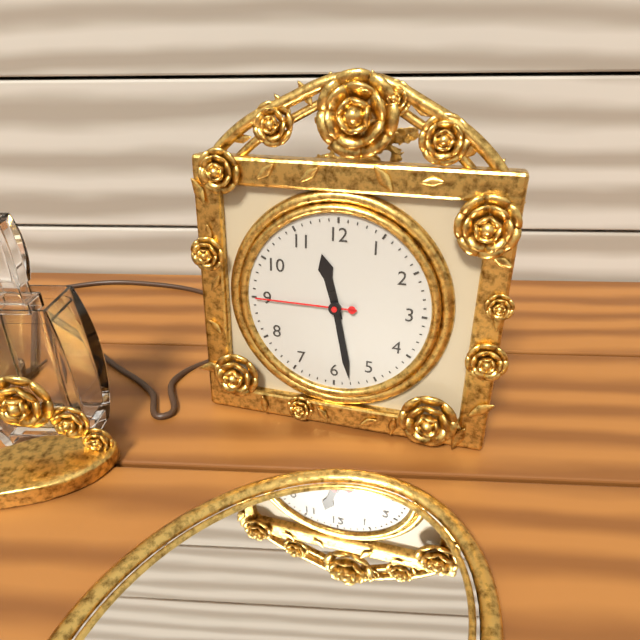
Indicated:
11.28.45
